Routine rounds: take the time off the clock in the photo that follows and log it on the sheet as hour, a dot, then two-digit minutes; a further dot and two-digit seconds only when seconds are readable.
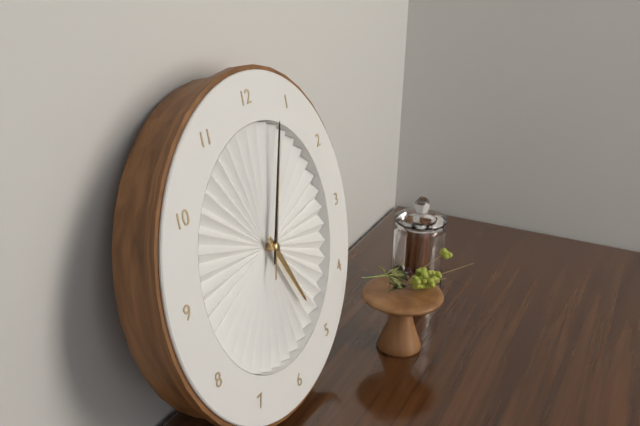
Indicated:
5.04.04
